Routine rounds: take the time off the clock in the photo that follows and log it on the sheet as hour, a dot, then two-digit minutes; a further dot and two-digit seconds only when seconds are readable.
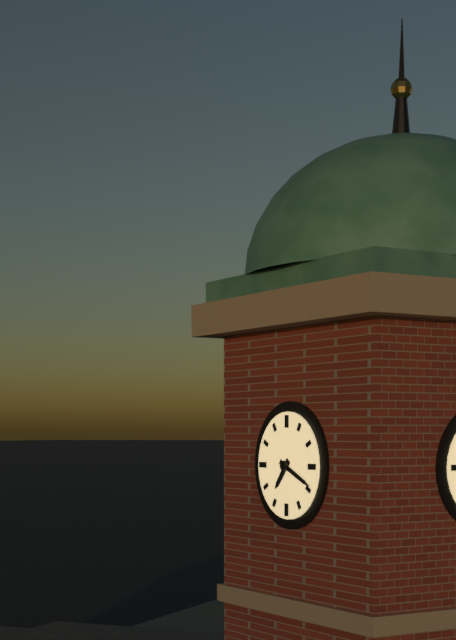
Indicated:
7.19
